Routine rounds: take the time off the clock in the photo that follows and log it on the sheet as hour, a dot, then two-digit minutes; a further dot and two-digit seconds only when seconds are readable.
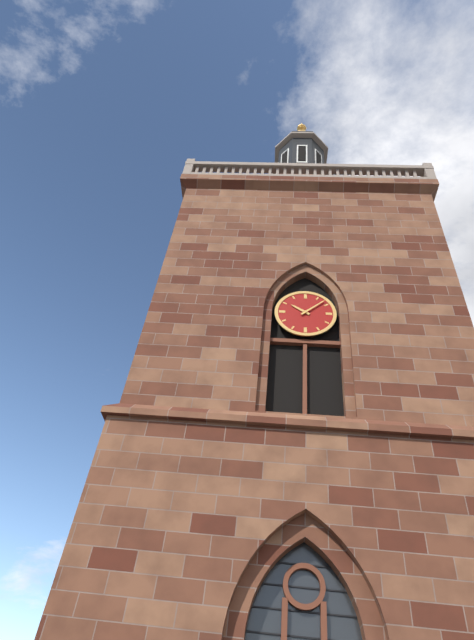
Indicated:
10.08
